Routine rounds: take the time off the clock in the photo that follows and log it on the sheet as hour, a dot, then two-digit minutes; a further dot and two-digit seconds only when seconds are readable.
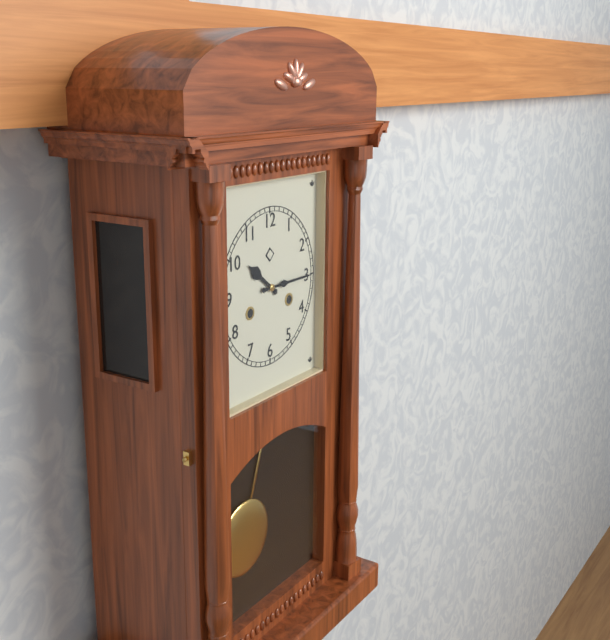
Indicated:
10.15
